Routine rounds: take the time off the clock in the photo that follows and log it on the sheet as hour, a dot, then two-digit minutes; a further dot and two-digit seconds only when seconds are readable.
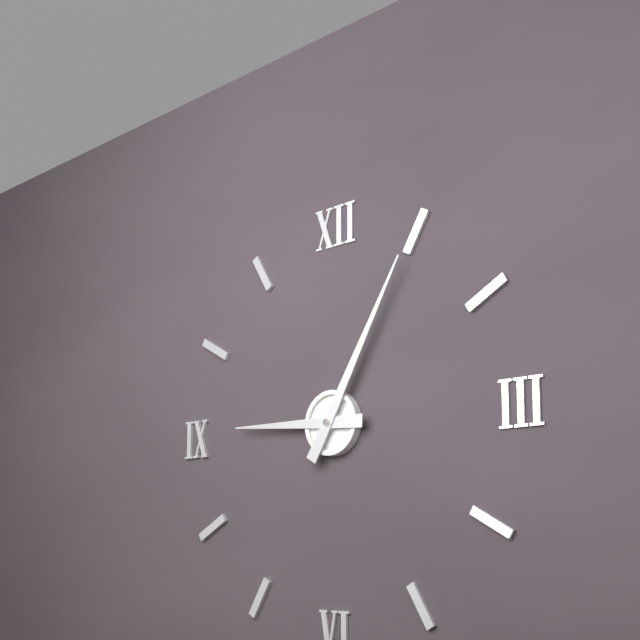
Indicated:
9.05
